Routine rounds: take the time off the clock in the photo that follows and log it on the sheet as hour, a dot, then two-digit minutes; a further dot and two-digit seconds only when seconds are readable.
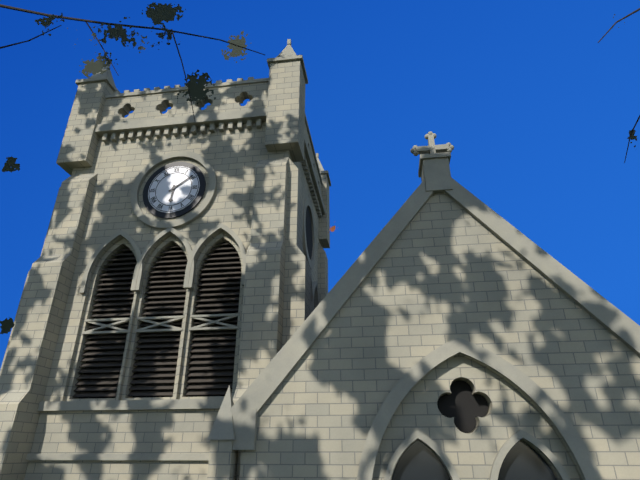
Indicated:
6.09
